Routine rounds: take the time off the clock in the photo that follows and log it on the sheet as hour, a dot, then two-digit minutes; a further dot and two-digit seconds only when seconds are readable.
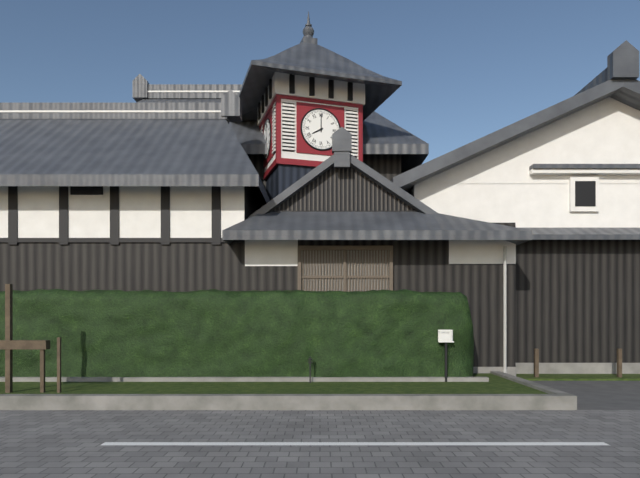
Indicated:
8.00
